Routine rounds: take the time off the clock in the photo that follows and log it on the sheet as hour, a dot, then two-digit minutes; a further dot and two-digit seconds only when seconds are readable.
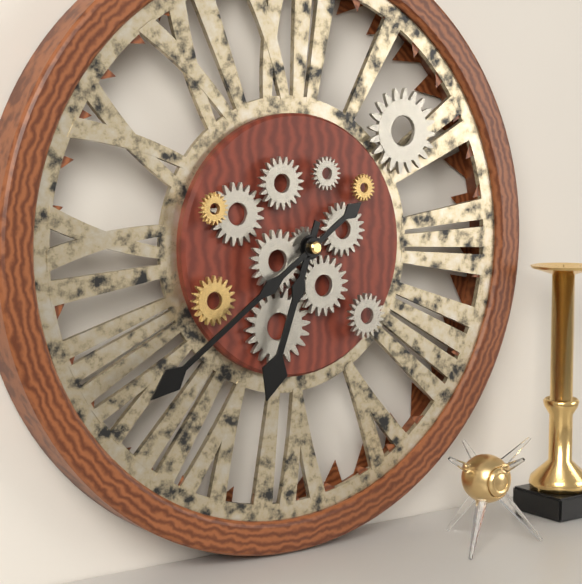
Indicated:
6.39
